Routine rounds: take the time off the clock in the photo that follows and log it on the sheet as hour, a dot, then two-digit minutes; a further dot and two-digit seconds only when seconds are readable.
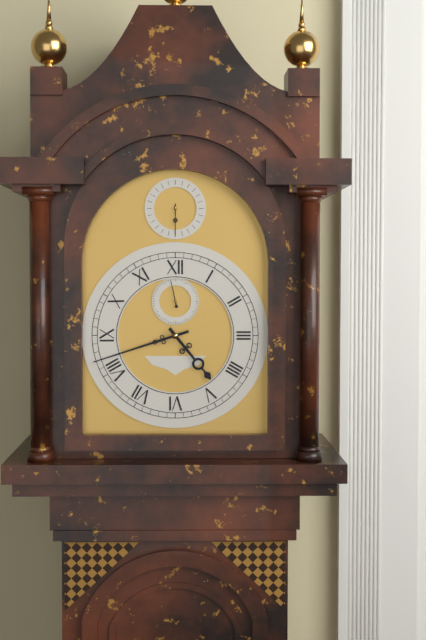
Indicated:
4.42
